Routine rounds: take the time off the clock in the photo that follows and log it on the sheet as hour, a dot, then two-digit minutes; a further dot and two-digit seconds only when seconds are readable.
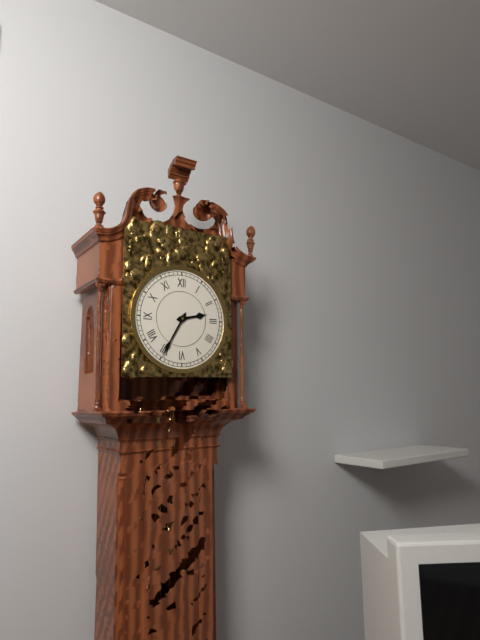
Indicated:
2.35
